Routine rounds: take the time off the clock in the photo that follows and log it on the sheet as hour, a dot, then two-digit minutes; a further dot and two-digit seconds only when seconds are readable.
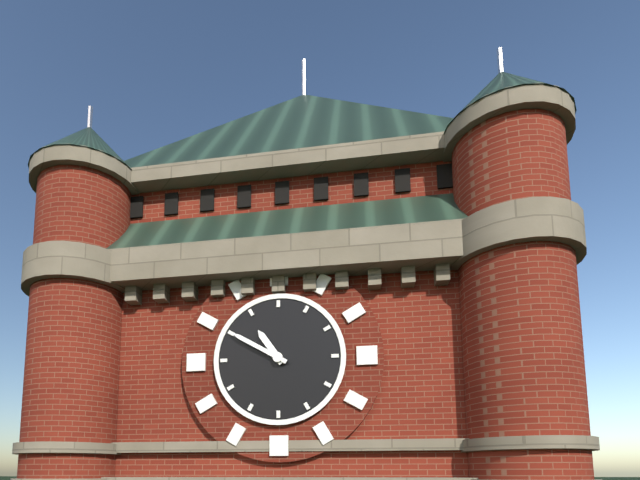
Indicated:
10.50
